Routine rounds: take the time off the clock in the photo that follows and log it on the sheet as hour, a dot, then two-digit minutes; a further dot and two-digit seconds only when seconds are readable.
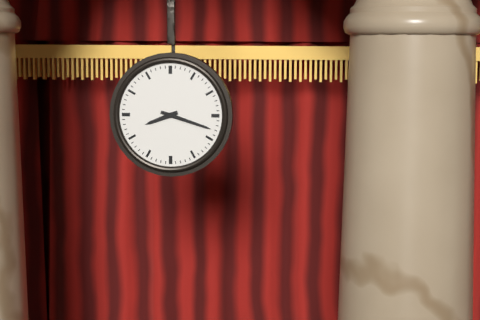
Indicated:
8.18
